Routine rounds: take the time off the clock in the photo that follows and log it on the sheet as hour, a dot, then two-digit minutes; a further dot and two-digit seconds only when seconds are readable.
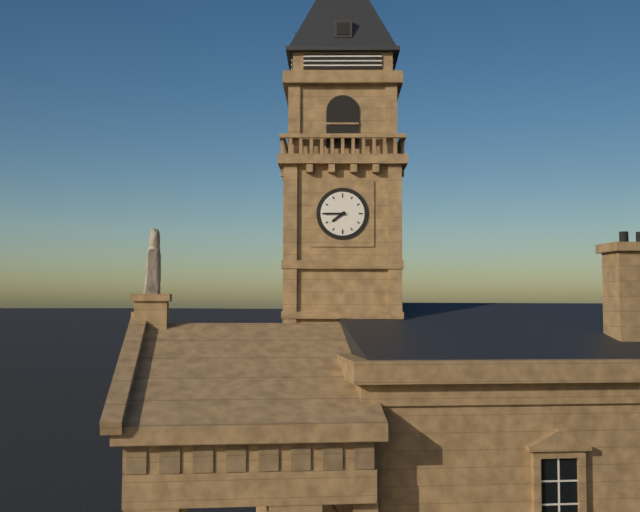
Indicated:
7.45
